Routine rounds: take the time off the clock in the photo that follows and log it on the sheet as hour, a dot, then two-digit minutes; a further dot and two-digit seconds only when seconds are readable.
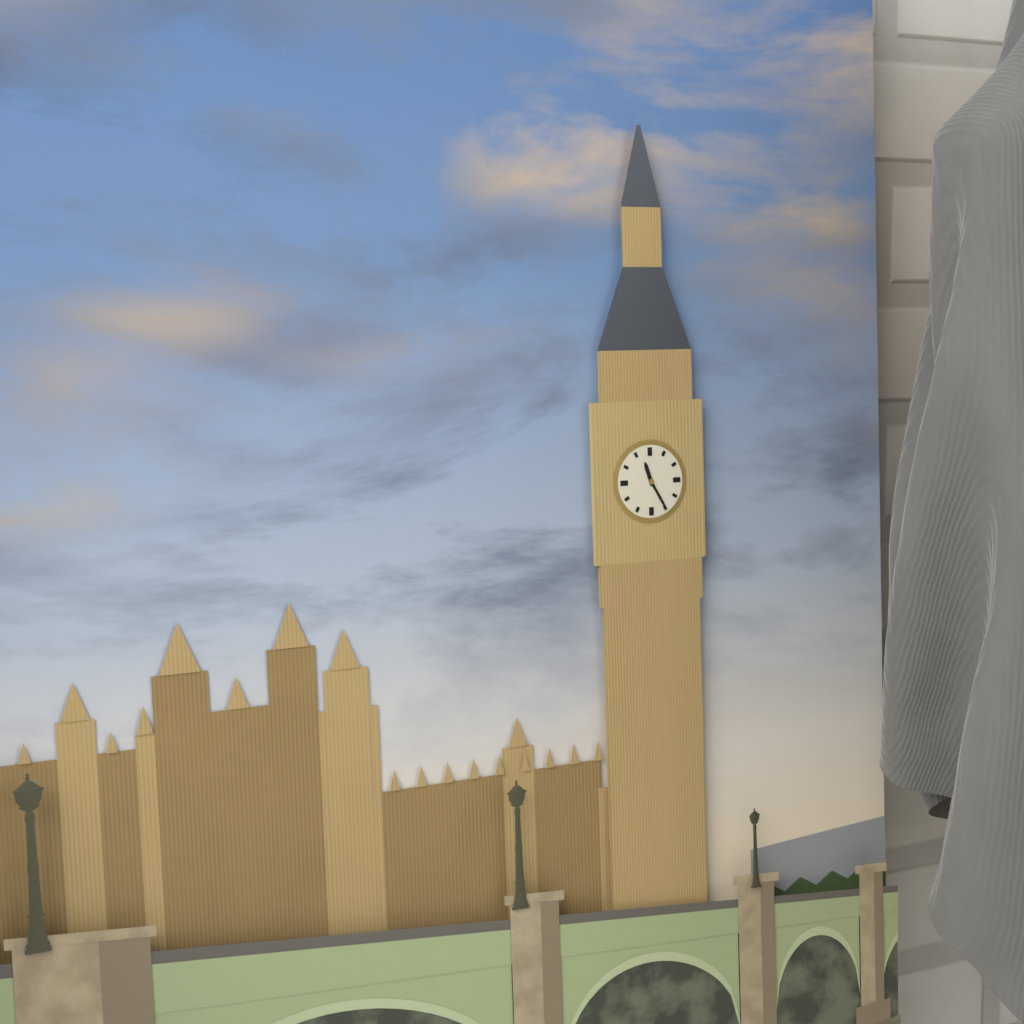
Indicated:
11.25
